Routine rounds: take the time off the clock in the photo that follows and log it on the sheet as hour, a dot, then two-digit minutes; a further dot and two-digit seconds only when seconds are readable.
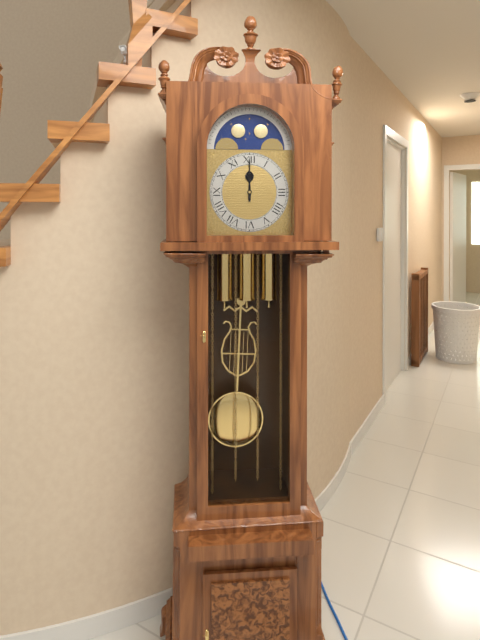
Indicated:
12.00
